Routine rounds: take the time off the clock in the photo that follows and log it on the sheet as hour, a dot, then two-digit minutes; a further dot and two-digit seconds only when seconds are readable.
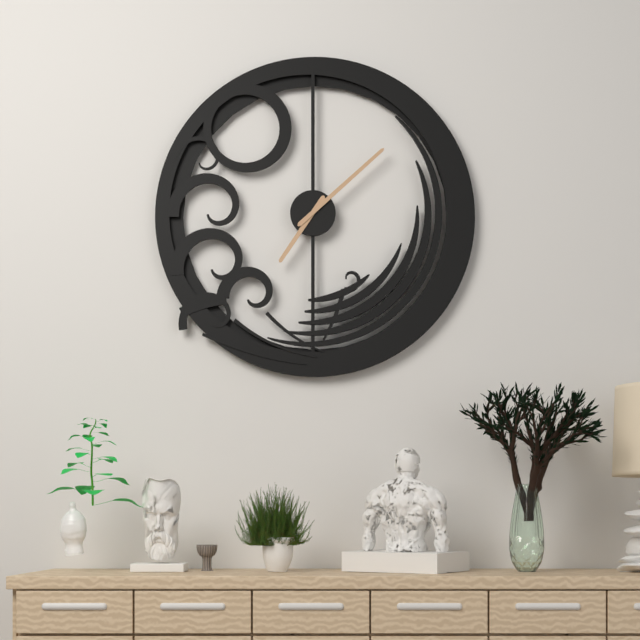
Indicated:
7.08
